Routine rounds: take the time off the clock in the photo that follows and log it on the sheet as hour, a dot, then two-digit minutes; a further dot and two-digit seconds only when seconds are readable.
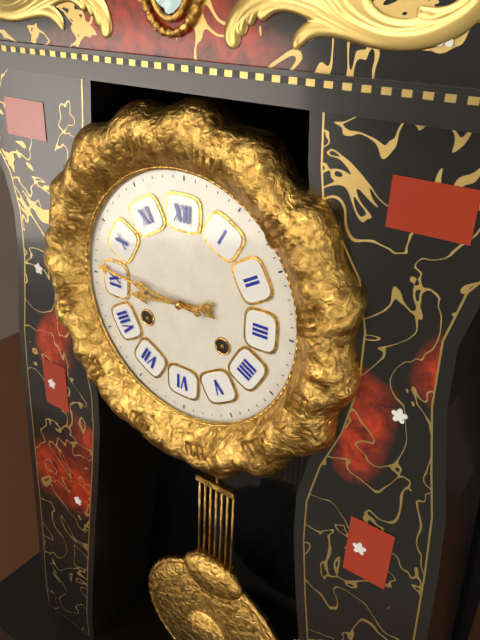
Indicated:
8.46
